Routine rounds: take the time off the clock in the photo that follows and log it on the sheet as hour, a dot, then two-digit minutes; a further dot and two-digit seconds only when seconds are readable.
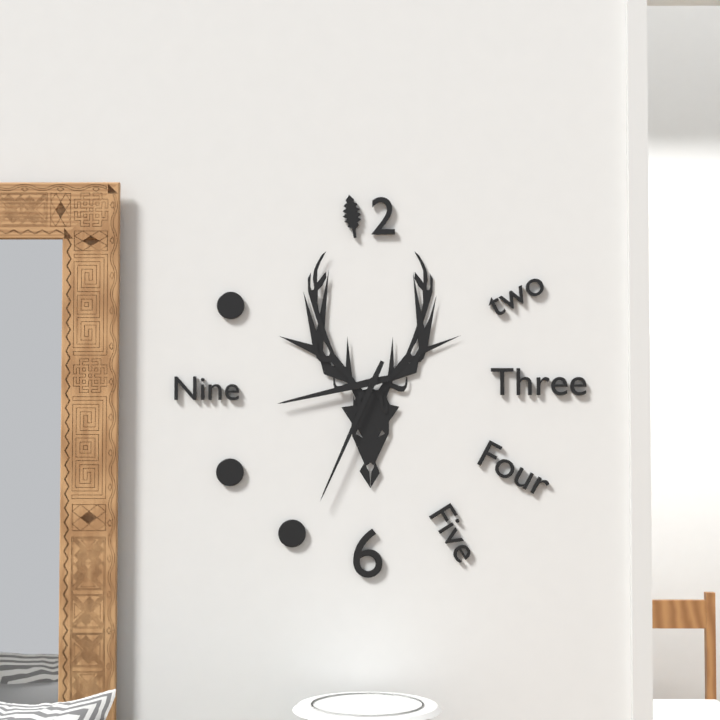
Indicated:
8.34
